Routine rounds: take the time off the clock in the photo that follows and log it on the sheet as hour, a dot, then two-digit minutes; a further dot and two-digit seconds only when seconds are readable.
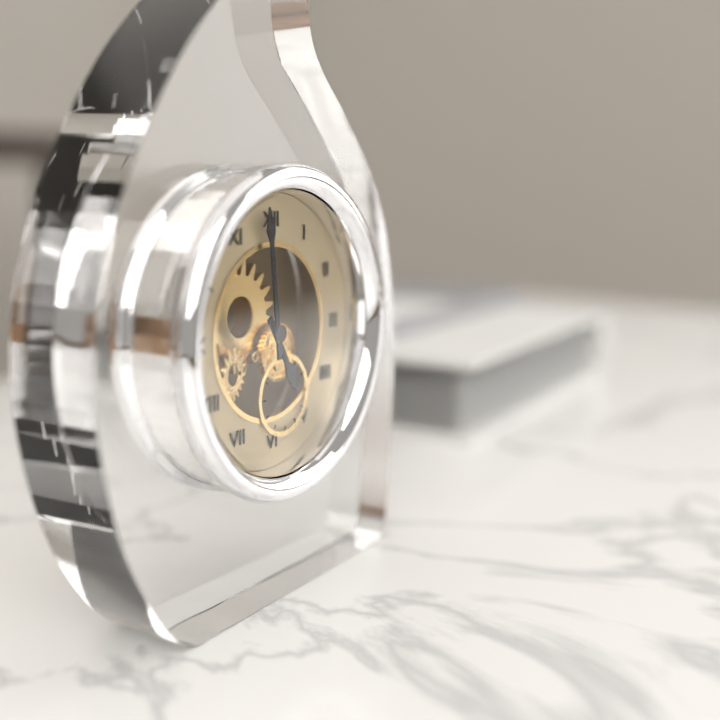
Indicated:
4.59
